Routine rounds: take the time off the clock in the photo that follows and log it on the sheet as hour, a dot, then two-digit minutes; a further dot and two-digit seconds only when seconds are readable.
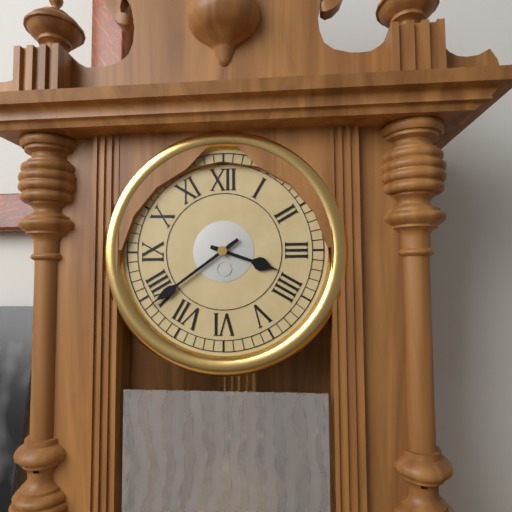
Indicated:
3.39
